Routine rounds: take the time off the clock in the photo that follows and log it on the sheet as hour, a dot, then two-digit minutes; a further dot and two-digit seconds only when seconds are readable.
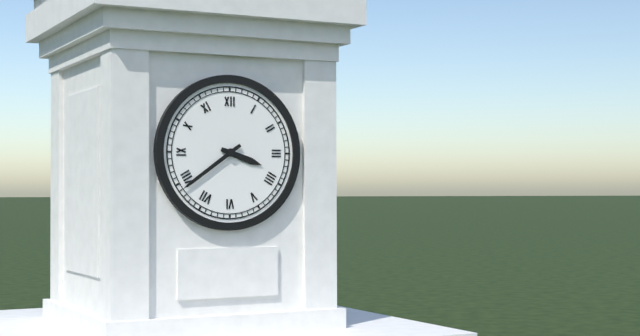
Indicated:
3.39
